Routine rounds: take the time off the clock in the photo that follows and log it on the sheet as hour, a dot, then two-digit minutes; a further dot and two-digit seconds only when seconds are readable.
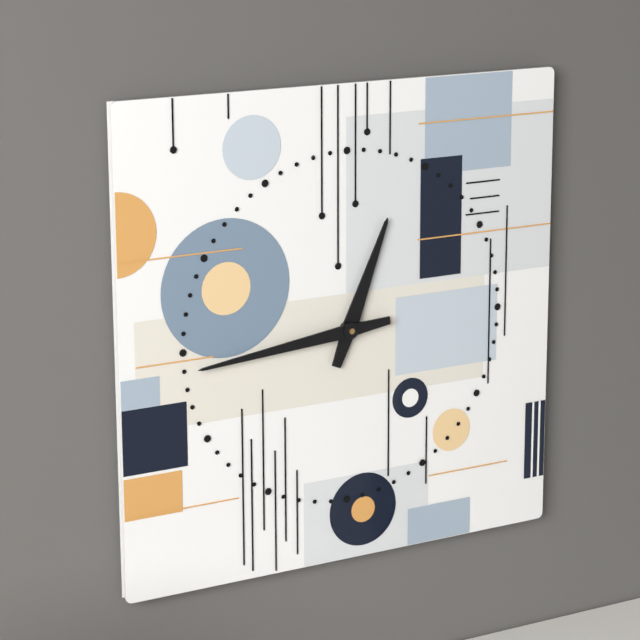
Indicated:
12.44
